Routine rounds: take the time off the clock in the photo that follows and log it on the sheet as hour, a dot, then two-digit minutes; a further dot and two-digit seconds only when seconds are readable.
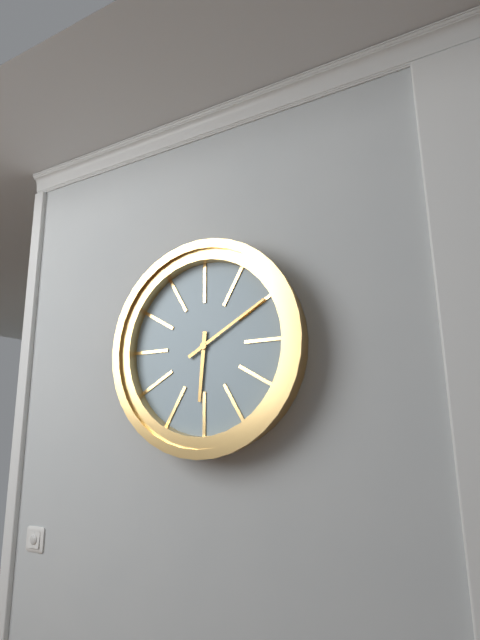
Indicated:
6.10
